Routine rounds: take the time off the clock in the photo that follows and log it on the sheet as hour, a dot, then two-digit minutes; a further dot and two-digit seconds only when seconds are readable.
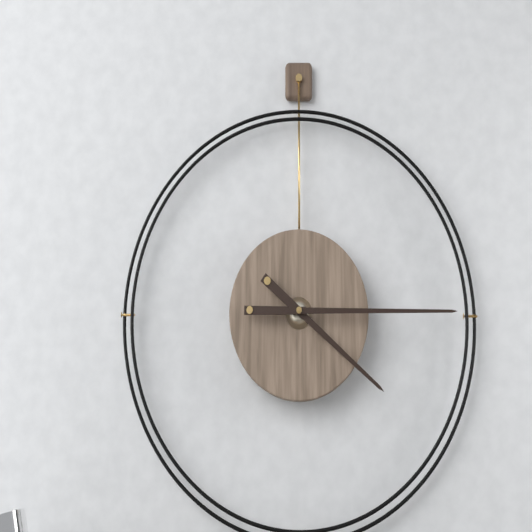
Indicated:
4.15
